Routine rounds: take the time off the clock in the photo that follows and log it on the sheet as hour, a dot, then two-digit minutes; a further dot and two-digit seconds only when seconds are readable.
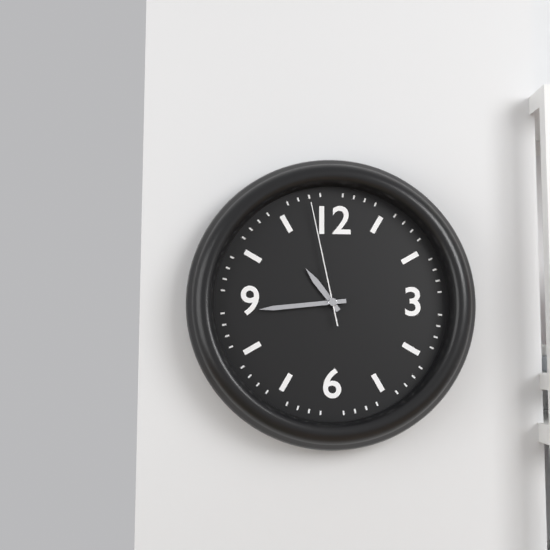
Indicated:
10.44.58
